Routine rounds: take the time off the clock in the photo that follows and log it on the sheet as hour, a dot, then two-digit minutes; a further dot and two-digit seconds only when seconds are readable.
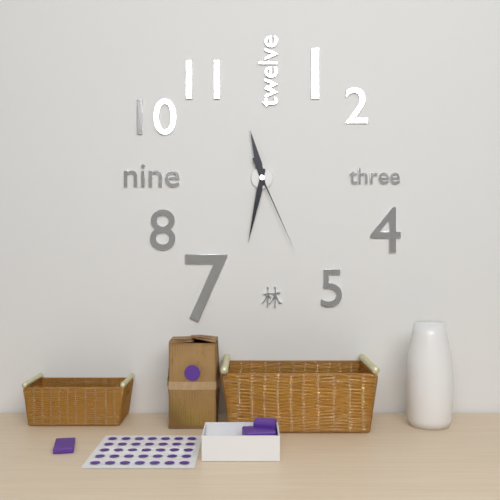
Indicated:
11.32.26
